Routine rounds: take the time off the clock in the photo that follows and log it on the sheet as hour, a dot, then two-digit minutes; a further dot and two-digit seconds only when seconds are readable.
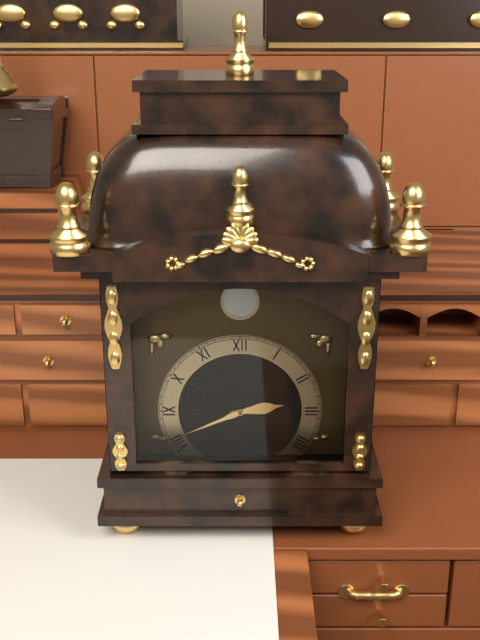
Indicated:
2.41
